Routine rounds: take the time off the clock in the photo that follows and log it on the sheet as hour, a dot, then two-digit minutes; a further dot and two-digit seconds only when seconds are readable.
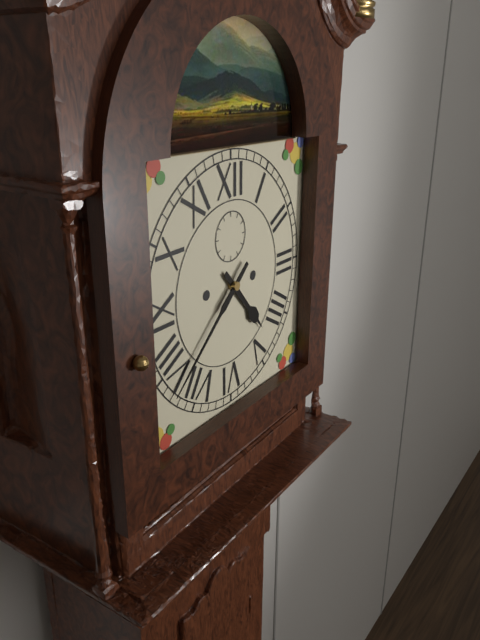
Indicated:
4.38
